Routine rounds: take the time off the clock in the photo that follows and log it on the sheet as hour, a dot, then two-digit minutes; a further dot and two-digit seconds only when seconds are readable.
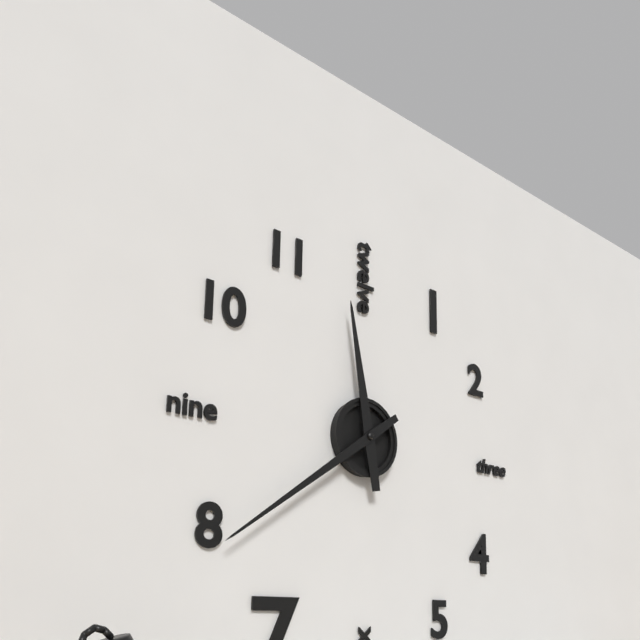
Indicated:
11.39
